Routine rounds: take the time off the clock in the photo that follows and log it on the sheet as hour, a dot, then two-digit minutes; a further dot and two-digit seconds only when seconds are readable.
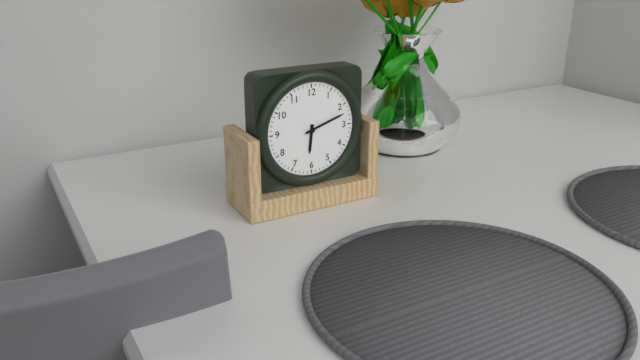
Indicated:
6.12
